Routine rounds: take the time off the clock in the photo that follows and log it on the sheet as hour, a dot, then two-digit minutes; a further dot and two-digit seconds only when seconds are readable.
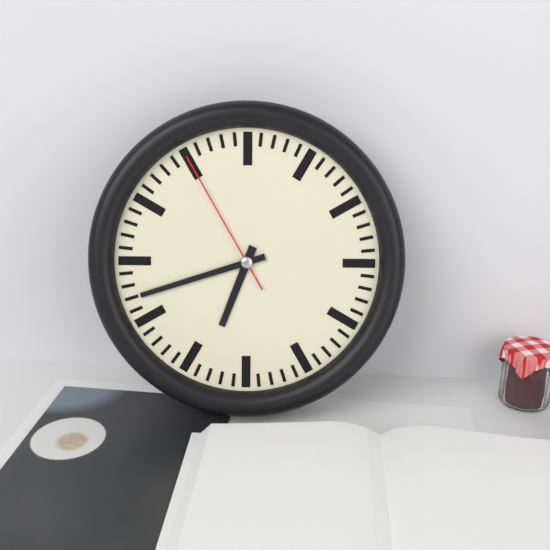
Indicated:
6.42.55
